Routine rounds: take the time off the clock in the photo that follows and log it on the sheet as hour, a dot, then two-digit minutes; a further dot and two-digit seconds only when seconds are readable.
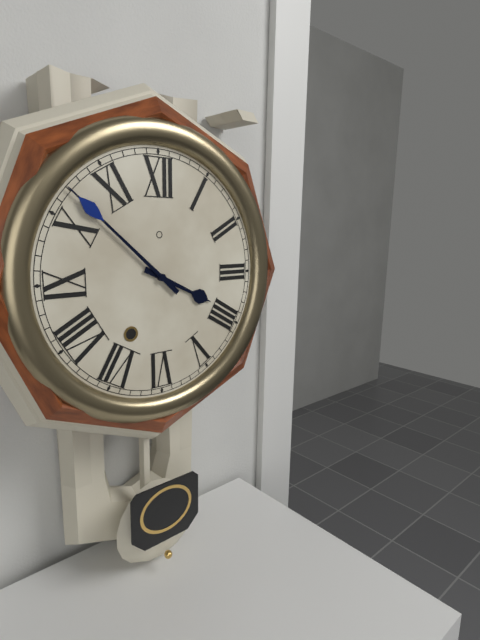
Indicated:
3.52
